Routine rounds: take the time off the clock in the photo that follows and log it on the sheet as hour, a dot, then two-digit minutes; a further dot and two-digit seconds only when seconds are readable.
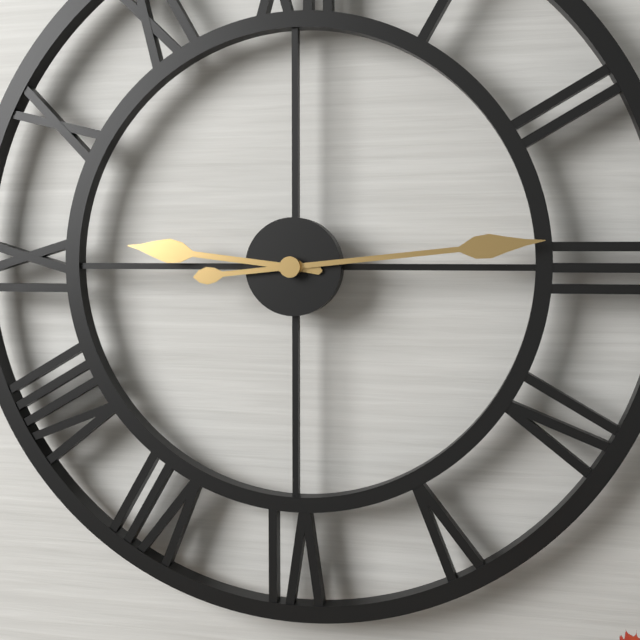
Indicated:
9.14
